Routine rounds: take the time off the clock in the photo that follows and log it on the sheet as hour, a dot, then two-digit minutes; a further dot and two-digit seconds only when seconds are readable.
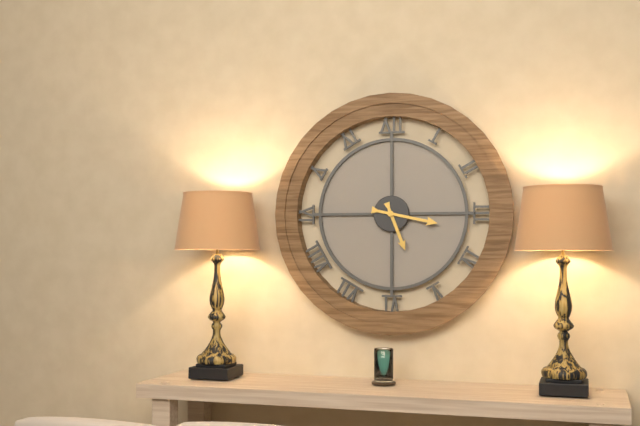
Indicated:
5.17
